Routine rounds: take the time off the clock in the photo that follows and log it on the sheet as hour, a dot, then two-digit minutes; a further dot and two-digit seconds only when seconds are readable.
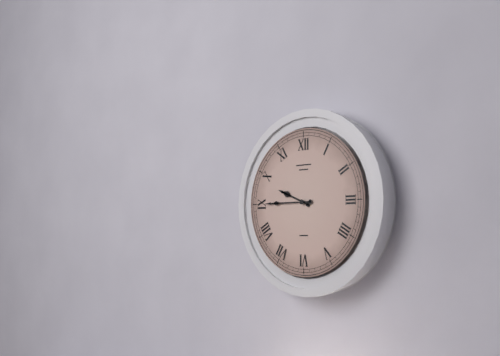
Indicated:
9.45
